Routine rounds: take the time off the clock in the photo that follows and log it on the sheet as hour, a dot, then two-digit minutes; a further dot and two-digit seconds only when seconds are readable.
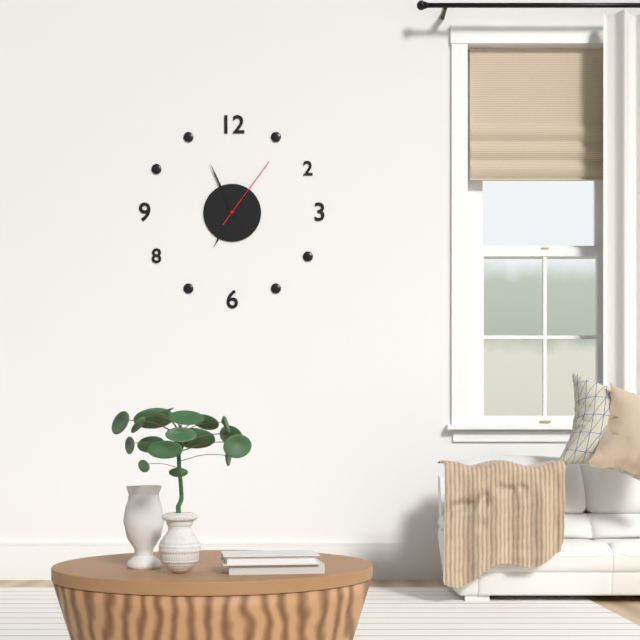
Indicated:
6.56.06
